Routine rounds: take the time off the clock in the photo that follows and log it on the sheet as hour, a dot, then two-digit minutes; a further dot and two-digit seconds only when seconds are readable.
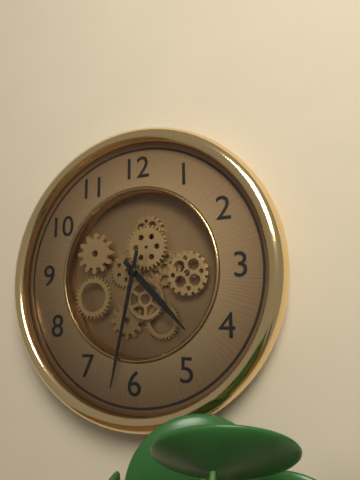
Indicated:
4.32
